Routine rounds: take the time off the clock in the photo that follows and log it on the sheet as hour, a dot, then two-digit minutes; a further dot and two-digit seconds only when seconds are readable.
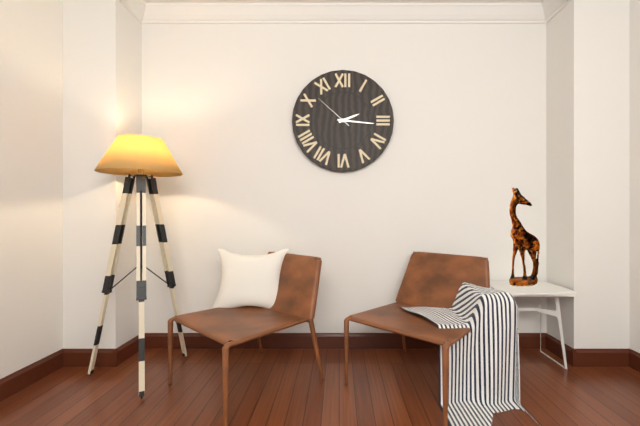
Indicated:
2.16
